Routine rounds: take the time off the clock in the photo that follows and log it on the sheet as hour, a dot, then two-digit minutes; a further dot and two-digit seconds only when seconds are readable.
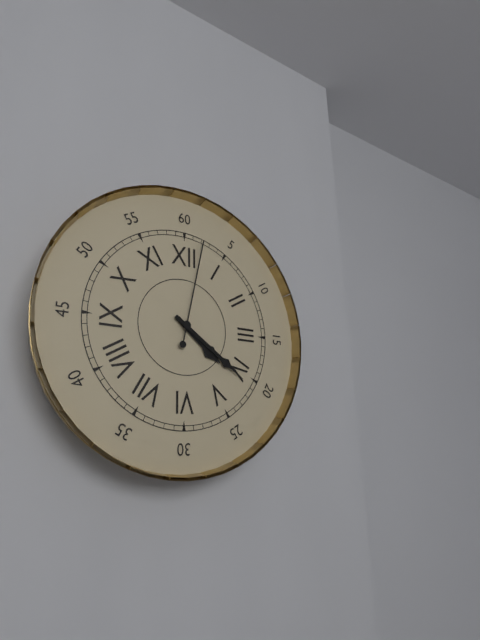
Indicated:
4.21.02
